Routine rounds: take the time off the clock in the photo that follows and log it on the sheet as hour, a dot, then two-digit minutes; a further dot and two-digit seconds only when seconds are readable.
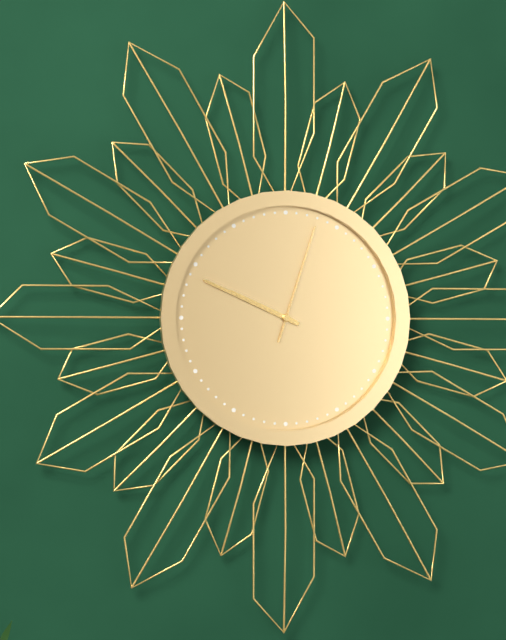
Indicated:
9.49.03
